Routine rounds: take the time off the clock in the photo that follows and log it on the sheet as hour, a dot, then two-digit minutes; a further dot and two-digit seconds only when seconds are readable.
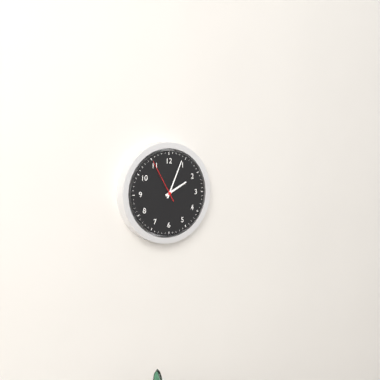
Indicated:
2.04
